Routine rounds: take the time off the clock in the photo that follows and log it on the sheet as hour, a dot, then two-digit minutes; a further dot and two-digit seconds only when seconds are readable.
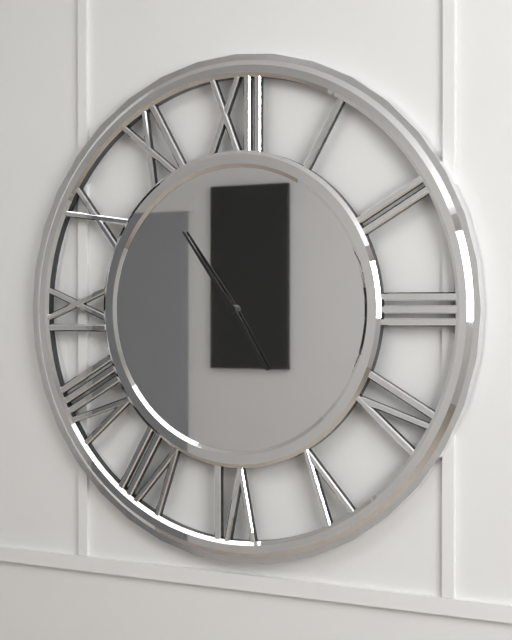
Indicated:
4.54
